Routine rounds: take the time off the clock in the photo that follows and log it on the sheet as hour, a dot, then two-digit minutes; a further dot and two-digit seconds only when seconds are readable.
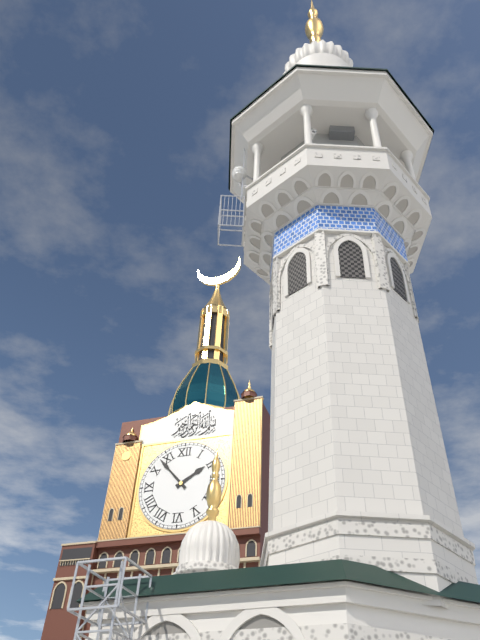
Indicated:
1.53
